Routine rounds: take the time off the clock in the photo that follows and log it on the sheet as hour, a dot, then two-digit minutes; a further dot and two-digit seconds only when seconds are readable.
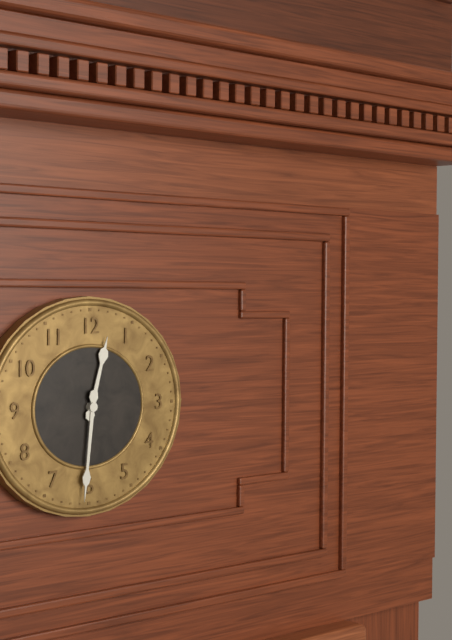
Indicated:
12.31
